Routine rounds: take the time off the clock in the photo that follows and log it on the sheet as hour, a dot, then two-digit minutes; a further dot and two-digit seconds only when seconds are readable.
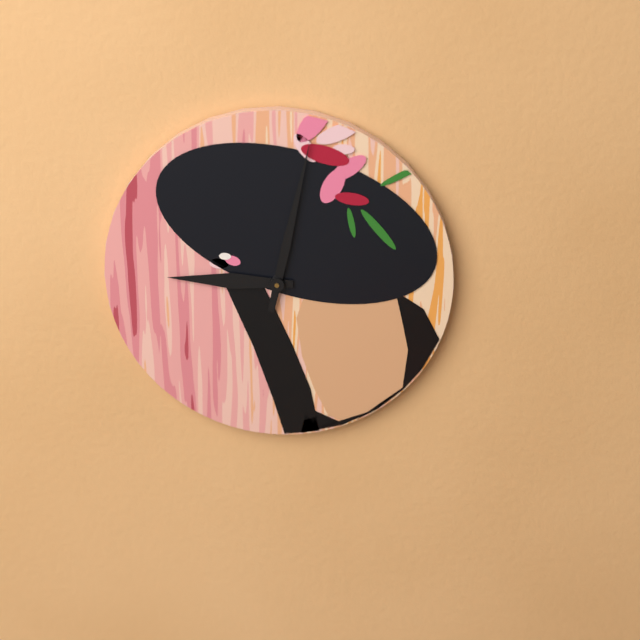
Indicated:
9.02
